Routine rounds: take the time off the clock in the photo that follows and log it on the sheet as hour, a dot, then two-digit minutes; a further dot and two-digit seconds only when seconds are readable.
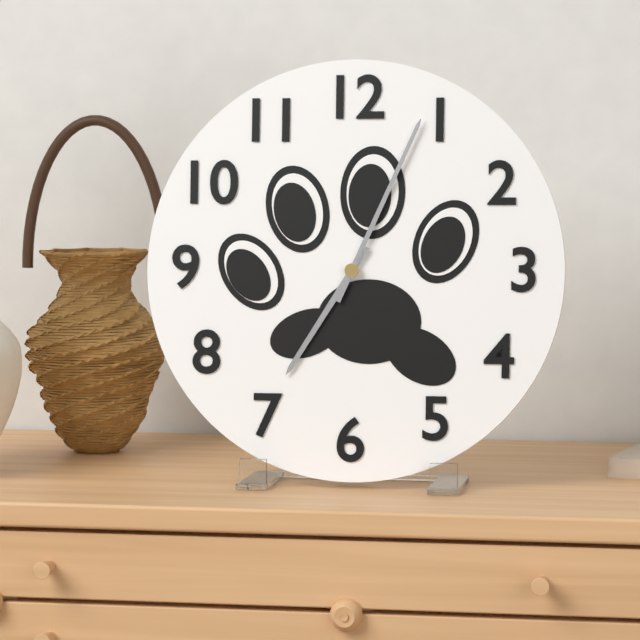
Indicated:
7.04
